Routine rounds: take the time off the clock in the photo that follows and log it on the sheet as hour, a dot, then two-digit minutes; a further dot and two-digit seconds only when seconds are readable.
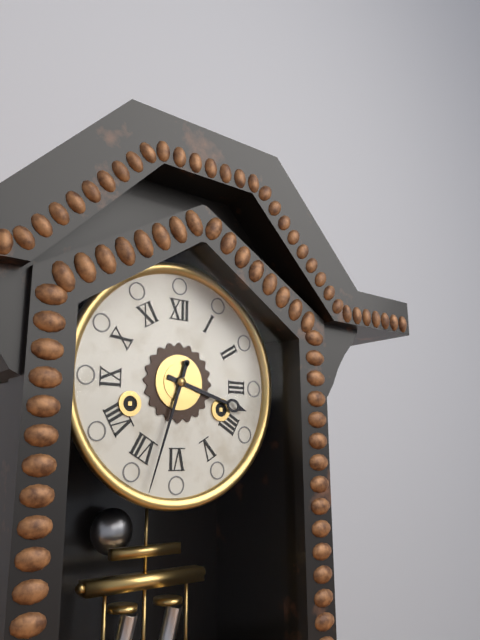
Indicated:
3.33
